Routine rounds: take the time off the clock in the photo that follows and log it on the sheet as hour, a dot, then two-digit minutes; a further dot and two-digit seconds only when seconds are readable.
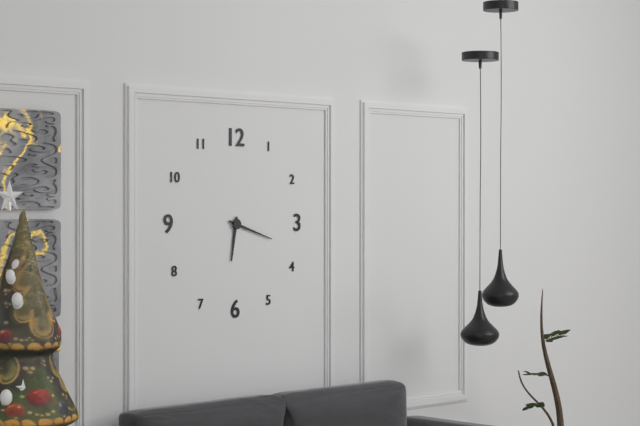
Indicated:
6.18
